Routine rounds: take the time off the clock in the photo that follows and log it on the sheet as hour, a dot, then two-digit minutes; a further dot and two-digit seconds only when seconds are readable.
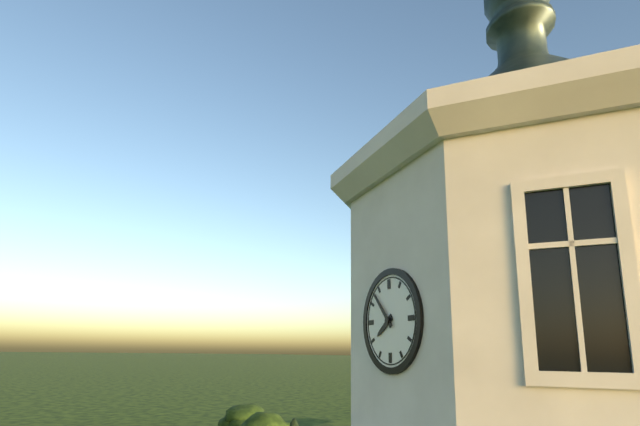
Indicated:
7.53
